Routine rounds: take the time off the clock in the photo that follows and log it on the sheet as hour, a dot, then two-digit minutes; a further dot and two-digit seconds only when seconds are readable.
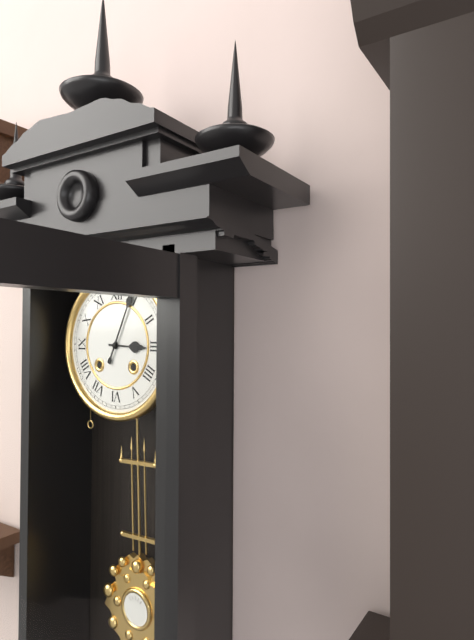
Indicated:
3.04
